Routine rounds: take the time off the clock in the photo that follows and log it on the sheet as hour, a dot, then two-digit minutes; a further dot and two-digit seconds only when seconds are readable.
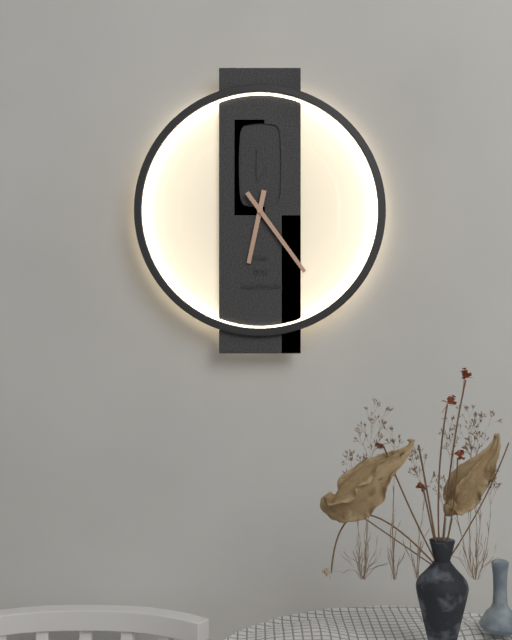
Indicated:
6.24
